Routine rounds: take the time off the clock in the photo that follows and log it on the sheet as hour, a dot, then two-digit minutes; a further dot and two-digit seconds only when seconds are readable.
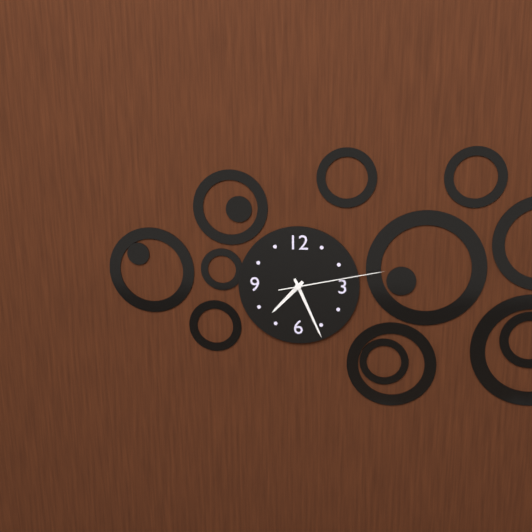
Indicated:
7.26.13
